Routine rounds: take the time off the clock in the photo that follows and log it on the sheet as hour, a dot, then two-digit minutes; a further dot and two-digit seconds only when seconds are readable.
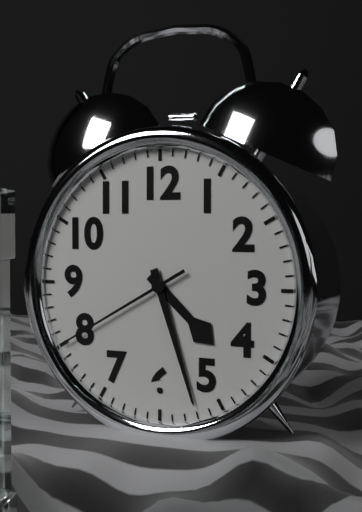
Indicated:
4.27.40
